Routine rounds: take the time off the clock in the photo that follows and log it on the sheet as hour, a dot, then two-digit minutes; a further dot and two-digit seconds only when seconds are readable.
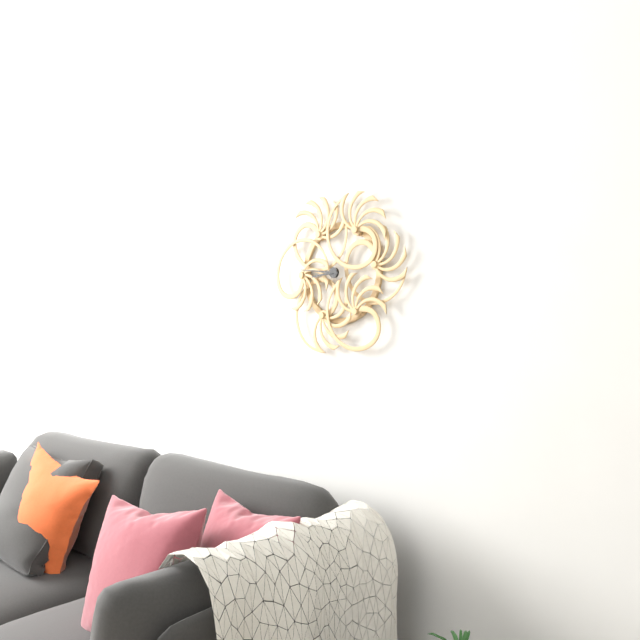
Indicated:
8.46
